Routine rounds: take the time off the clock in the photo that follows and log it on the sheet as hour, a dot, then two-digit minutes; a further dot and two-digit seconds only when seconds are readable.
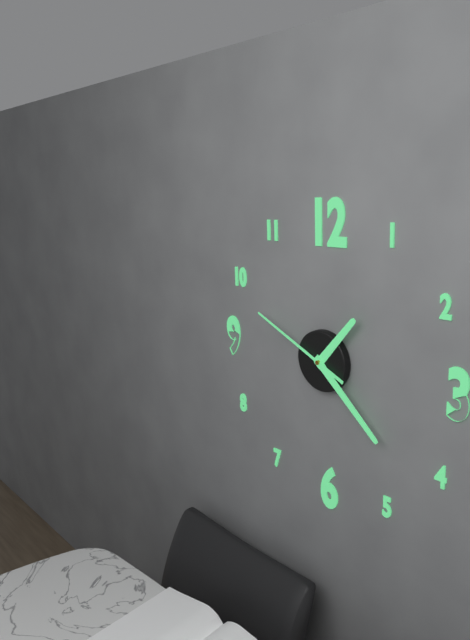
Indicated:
1.22.49
